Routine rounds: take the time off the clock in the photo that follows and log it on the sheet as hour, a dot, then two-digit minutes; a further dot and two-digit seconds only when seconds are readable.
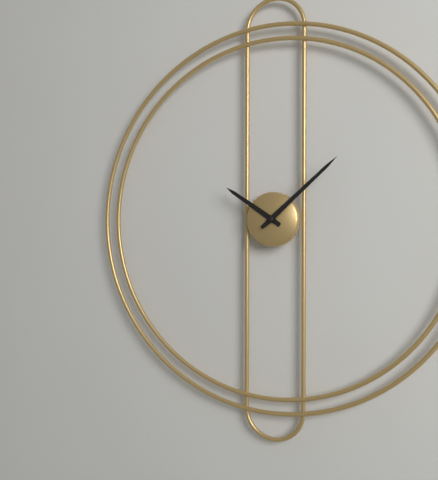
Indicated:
10.08
